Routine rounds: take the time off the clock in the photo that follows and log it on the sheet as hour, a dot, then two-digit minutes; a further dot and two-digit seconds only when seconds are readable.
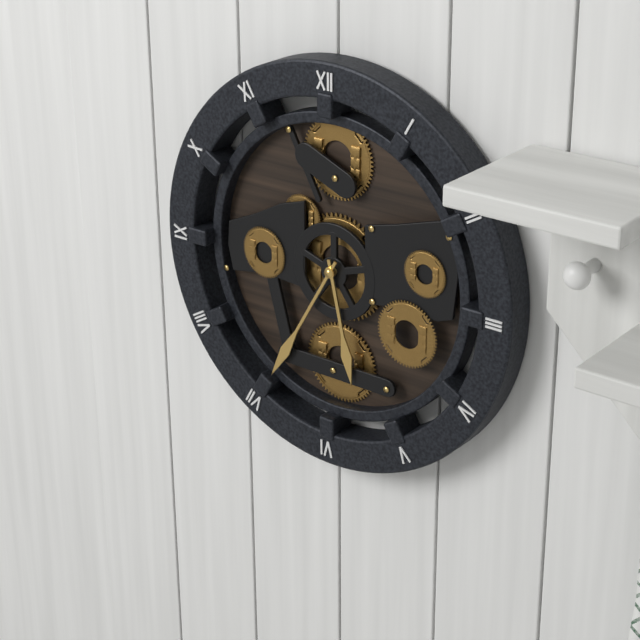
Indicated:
5.35
